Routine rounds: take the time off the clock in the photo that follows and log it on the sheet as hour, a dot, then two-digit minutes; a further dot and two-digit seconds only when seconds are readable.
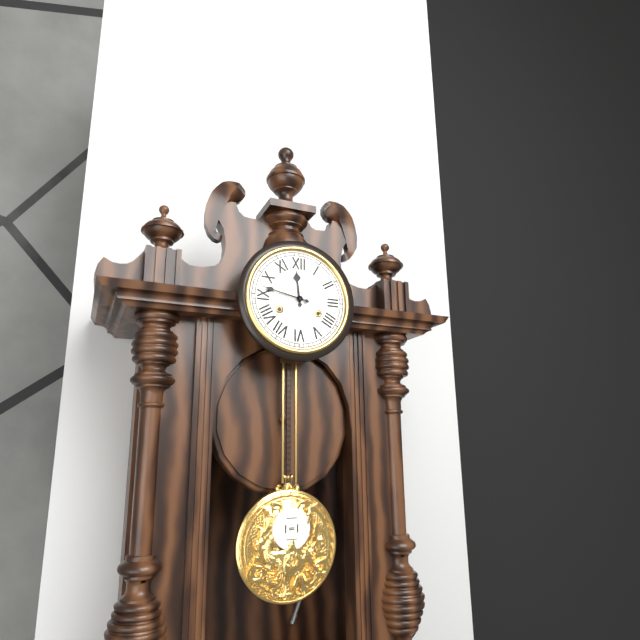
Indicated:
11.47
